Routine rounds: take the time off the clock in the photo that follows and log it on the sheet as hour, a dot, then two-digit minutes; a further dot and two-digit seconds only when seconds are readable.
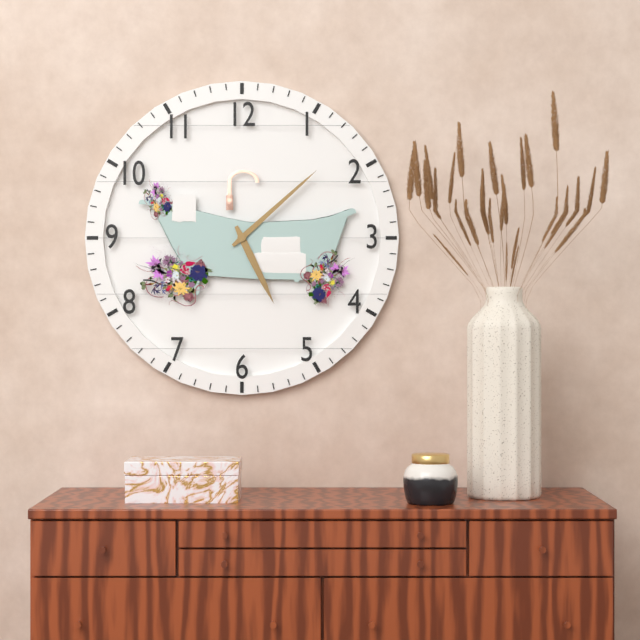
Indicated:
5.08
